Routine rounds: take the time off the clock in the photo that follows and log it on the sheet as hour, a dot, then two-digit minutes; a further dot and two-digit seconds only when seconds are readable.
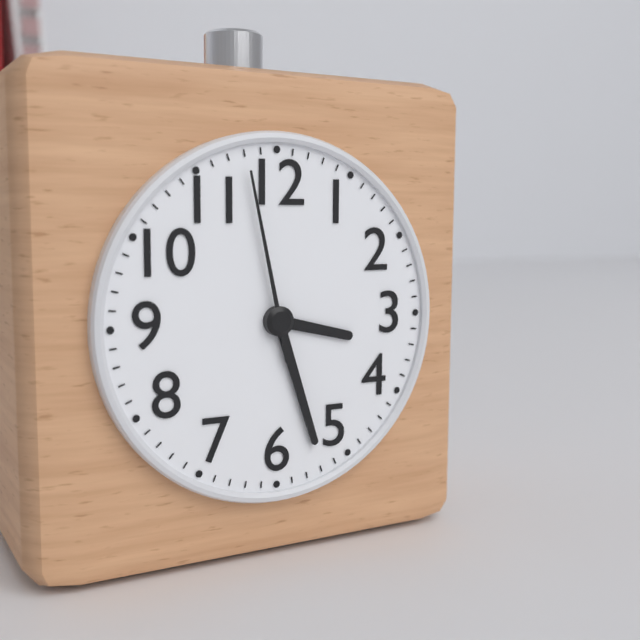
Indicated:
3.27.58
